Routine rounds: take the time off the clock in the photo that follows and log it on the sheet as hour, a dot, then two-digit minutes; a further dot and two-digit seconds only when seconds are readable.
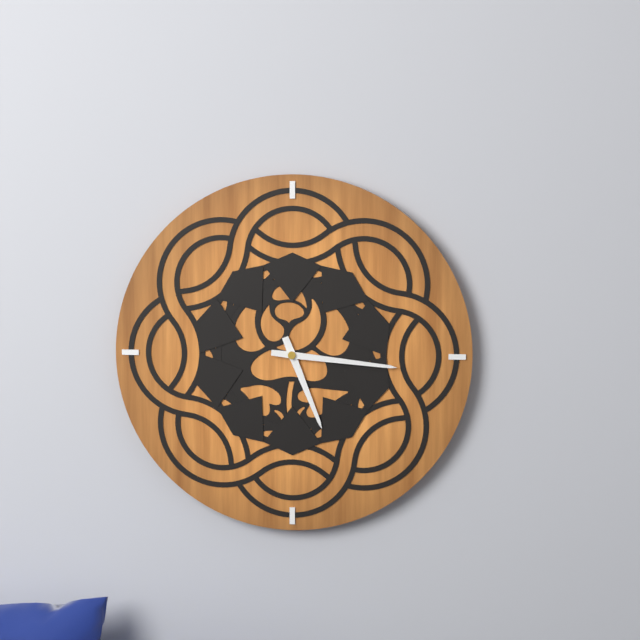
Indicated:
5.16
